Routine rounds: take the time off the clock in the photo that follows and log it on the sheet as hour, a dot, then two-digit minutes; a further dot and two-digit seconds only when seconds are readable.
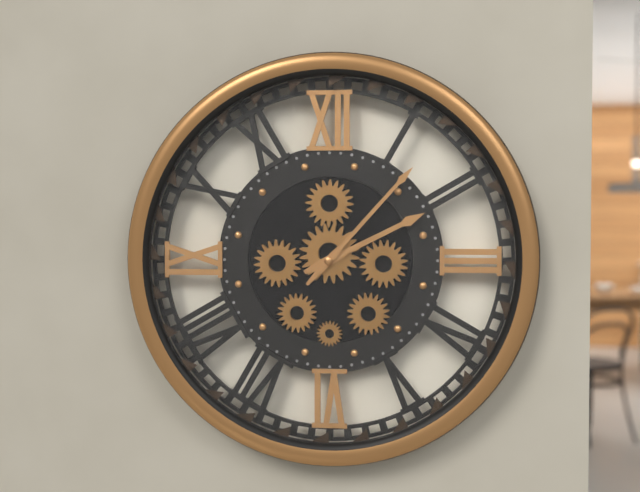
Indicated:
2.07
